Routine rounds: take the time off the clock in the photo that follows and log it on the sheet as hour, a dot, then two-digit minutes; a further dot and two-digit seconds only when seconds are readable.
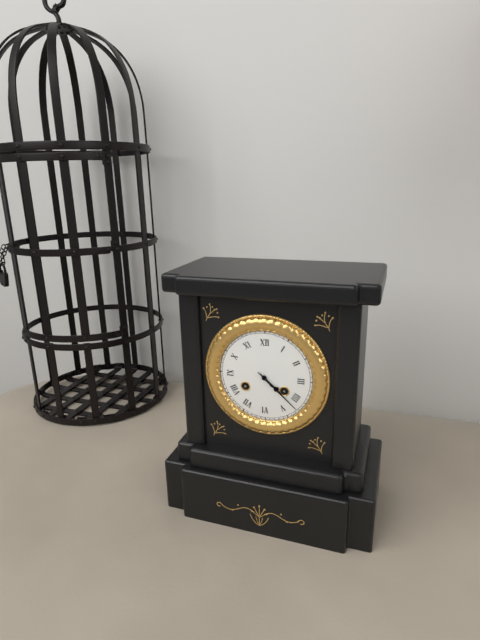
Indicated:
4.22
